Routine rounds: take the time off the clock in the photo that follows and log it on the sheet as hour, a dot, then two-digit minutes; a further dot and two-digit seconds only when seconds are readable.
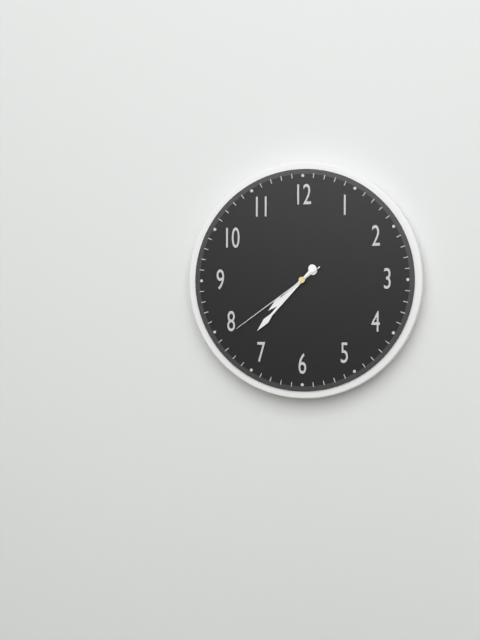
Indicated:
7.37.39
